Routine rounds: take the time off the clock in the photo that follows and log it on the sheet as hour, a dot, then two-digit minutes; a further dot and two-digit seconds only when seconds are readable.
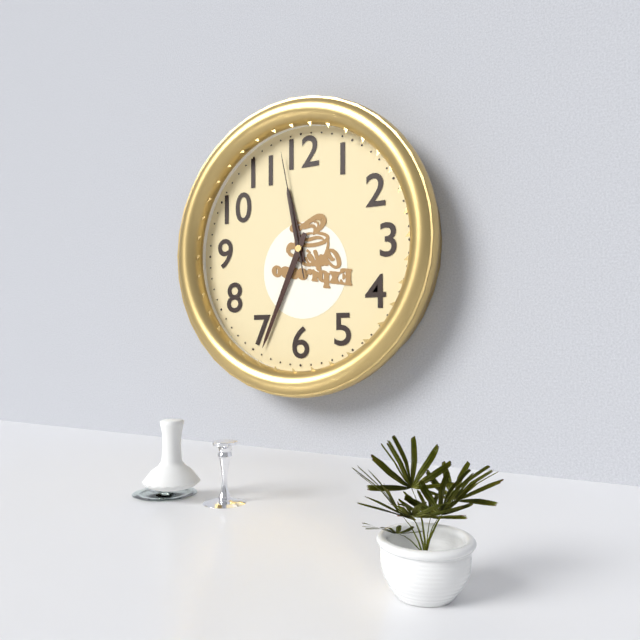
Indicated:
11.34.58
